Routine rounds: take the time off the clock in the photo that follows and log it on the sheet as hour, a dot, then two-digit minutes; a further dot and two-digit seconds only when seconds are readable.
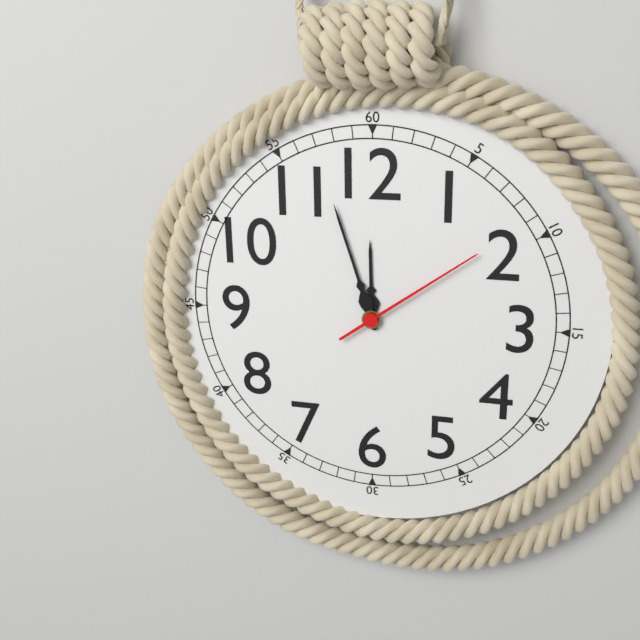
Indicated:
11.57.09
